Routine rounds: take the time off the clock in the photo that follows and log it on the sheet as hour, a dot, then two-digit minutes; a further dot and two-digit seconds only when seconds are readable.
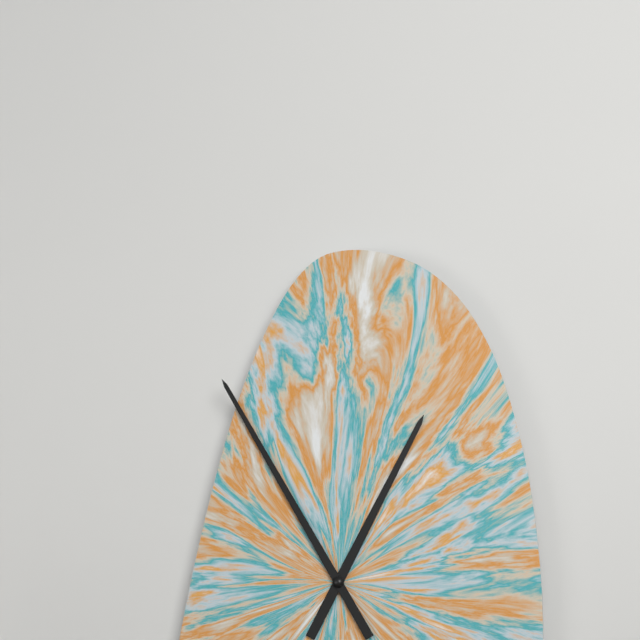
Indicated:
12.55
